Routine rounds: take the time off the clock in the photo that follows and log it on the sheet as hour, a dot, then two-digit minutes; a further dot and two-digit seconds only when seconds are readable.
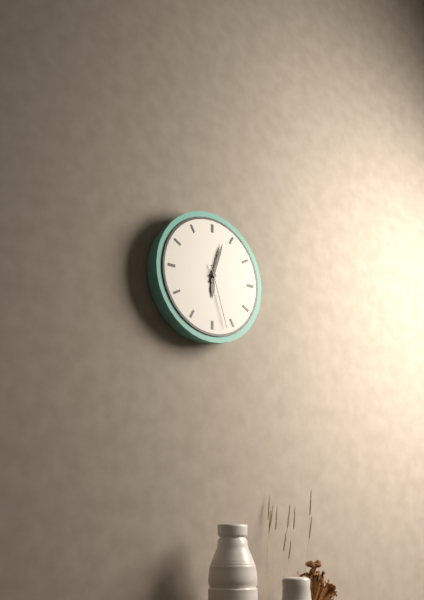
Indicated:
6.03.27
